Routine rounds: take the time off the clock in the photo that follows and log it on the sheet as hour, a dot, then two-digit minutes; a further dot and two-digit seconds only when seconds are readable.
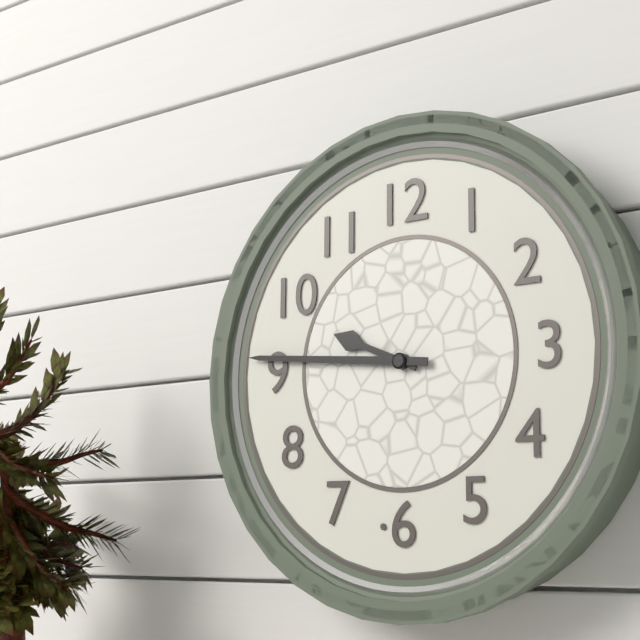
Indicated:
9.46
